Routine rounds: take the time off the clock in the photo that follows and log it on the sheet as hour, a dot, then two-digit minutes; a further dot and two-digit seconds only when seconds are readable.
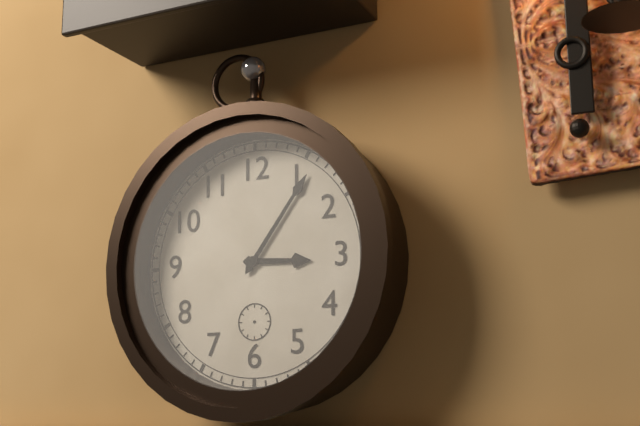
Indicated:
3.06
